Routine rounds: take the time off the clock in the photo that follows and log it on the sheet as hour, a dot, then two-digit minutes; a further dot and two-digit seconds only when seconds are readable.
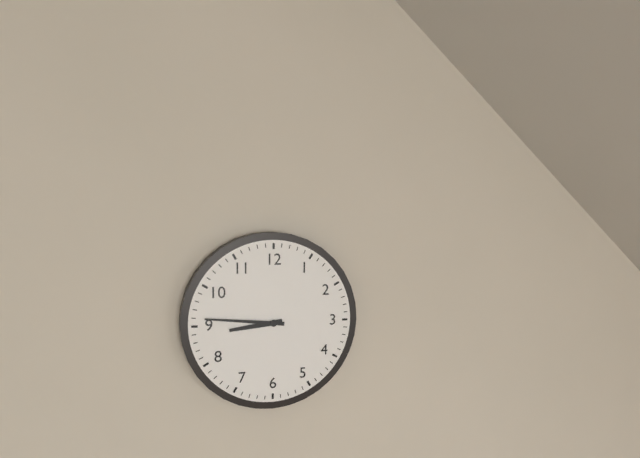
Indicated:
8.46
